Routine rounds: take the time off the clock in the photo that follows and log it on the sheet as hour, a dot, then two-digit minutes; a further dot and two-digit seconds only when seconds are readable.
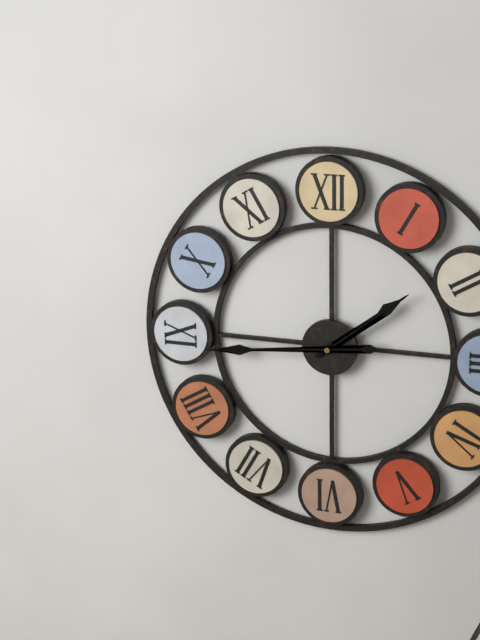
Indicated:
1.44
